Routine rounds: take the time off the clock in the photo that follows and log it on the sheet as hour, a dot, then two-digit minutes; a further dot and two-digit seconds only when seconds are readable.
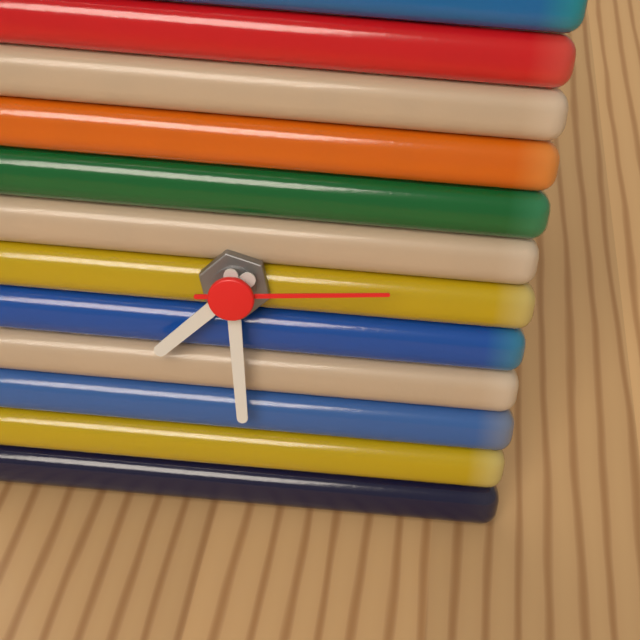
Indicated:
7.29.14
